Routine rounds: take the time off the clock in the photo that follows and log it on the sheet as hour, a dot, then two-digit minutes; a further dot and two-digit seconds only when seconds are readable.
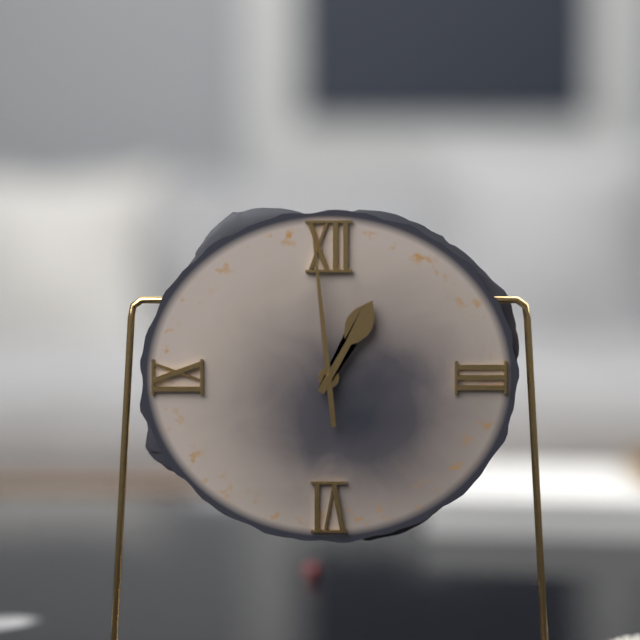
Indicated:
12.59
